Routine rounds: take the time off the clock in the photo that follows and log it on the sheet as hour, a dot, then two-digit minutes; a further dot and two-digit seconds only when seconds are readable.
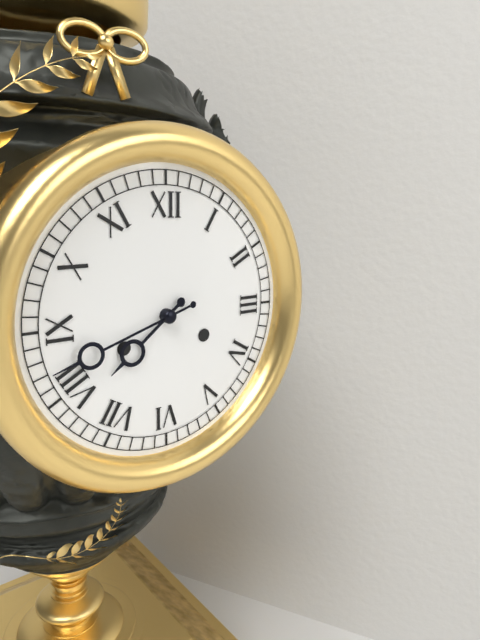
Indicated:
7.42
